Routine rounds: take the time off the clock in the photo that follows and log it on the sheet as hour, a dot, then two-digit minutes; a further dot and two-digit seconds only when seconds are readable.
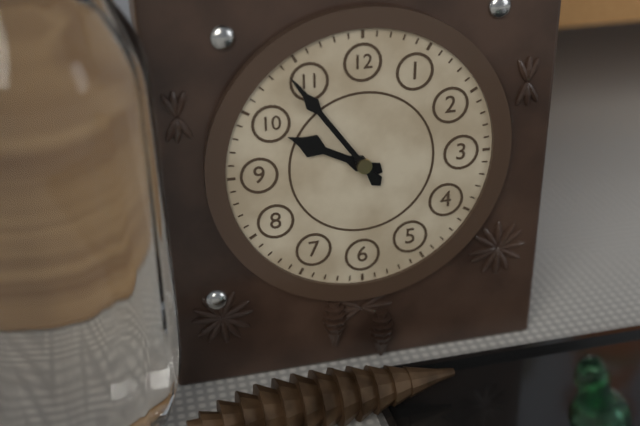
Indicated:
9.54
